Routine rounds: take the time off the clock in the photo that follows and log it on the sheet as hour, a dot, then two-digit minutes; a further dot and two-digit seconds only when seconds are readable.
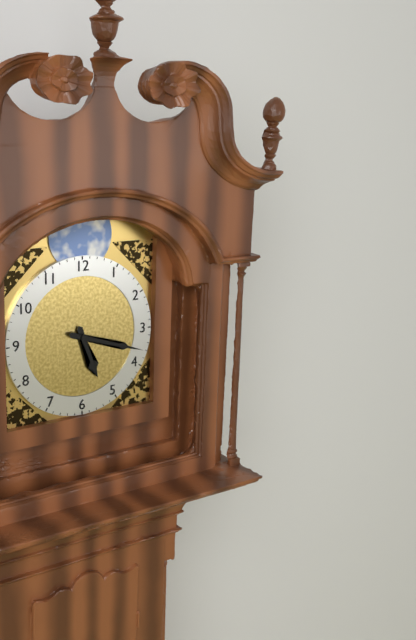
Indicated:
5.18
